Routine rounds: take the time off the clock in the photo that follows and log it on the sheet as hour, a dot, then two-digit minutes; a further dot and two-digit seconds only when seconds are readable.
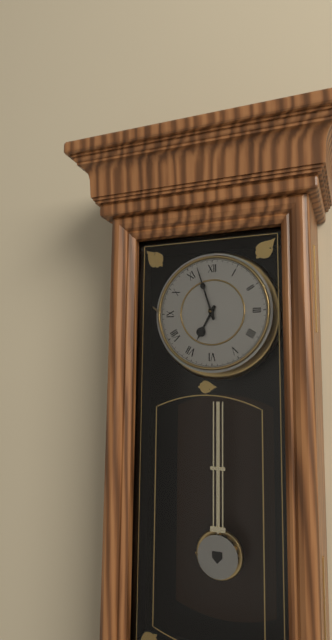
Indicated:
6.57
